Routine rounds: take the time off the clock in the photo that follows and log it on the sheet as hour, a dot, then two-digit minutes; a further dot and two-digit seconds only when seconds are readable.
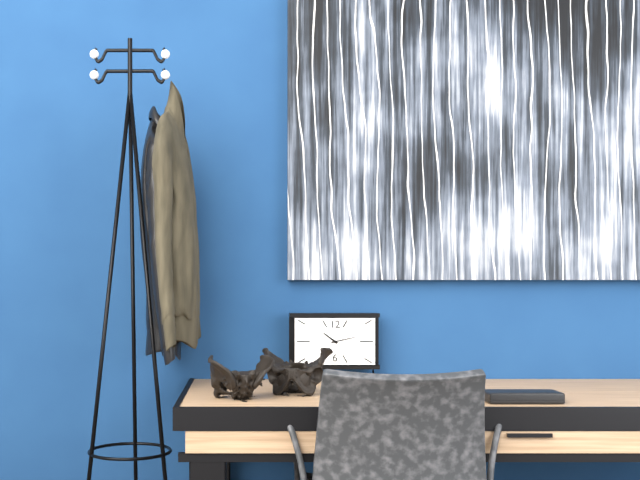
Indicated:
10.13
